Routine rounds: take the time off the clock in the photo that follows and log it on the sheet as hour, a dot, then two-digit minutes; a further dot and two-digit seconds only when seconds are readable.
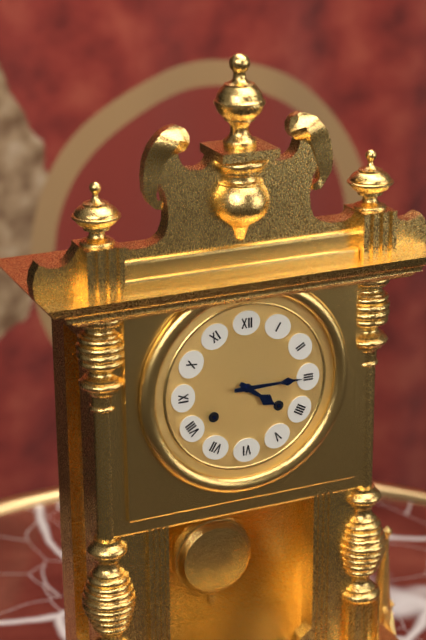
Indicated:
4.15
